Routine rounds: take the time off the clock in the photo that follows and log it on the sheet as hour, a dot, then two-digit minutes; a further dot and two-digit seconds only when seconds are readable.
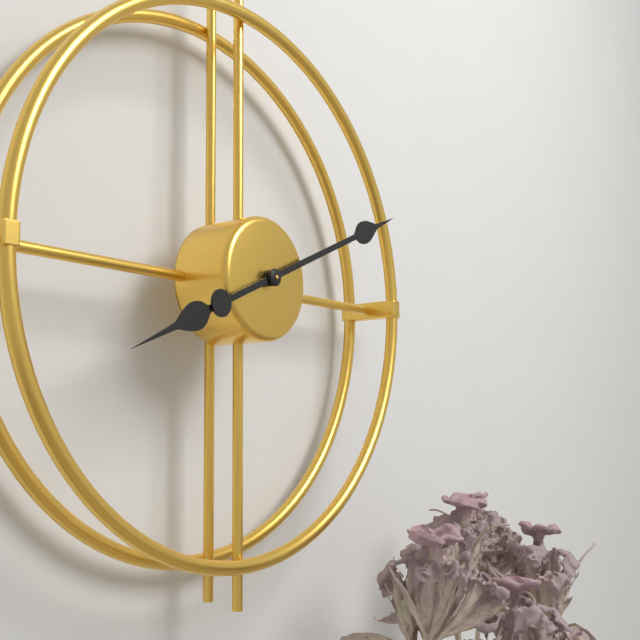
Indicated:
8.11
